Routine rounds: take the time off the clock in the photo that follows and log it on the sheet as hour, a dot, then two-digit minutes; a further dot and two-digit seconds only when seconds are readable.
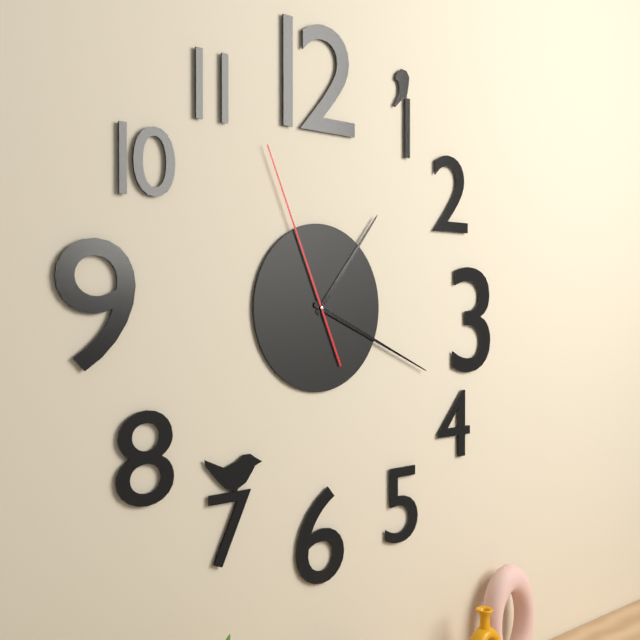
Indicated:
1.19.56
